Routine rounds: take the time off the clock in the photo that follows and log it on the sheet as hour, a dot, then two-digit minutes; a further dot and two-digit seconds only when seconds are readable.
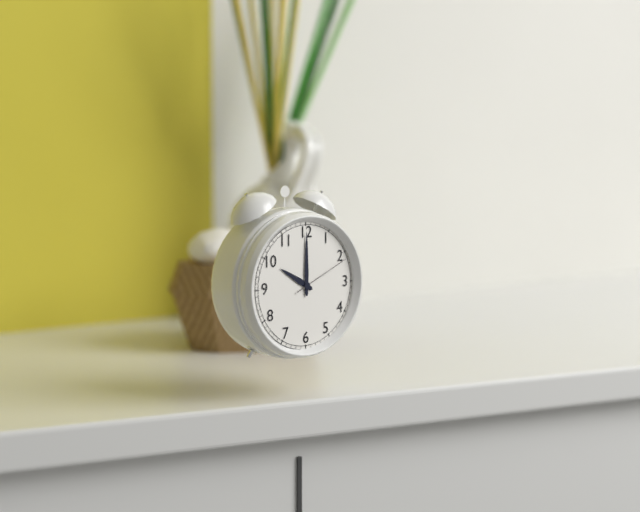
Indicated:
10.00.11
